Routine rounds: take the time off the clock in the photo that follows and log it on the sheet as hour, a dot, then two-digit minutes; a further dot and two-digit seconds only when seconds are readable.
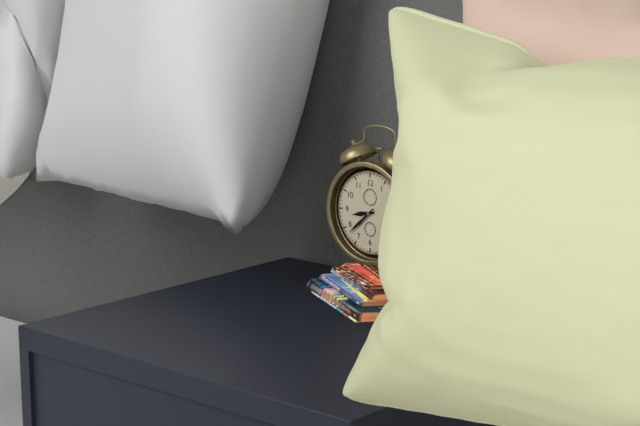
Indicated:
8.38
